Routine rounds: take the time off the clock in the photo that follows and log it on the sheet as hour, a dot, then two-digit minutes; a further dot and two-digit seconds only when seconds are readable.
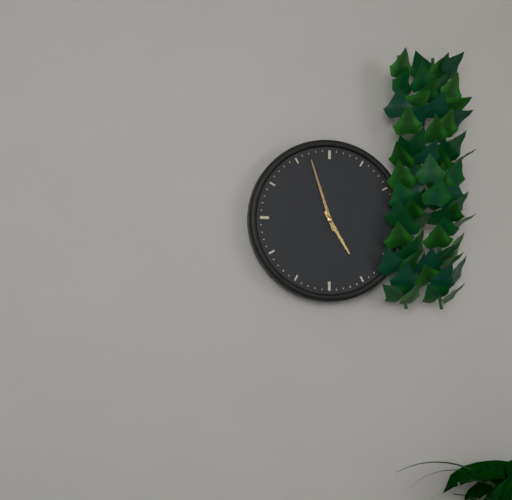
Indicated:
4.57
